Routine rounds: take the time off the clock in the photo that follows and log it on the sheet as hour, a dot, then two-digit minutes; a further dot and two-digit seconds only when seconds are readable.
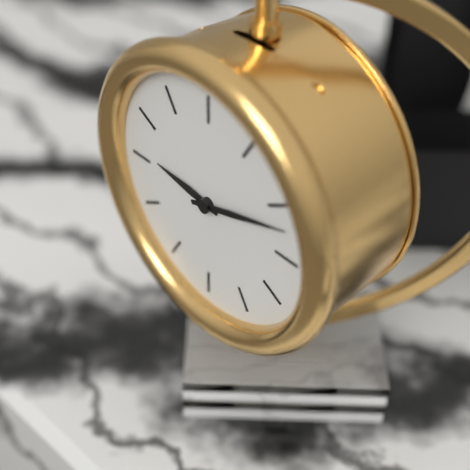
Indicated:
9.12
